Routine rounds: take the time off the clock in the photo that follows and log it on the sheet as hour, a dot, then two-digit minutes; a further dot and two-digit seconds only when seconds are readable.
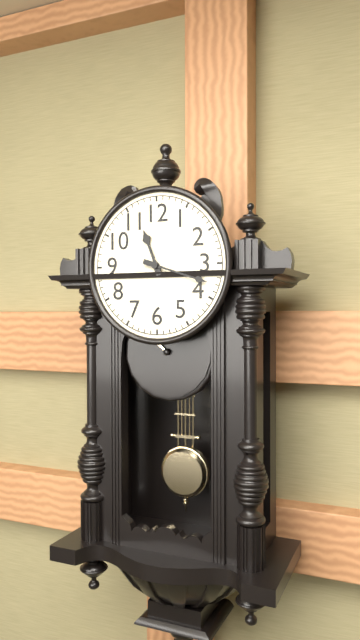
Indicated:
11.18
